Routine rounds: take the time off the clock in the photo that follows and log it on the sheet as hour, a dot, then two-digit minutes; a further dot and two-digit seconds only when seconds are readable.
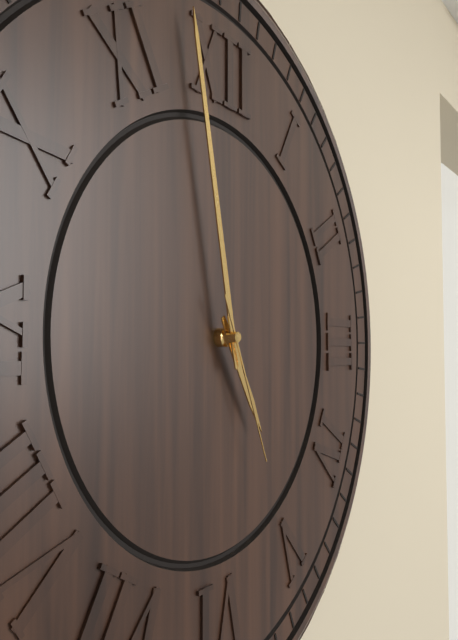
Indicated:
4.58.26
